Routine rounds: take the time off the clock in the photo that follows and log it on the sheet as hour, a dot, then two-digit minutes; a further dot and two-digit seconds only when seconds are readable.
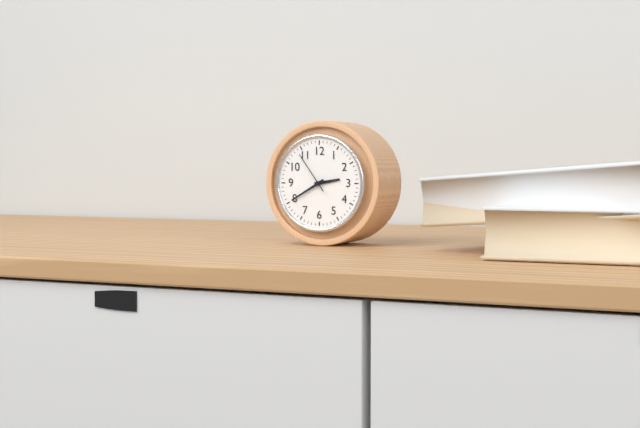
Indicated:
2.40
